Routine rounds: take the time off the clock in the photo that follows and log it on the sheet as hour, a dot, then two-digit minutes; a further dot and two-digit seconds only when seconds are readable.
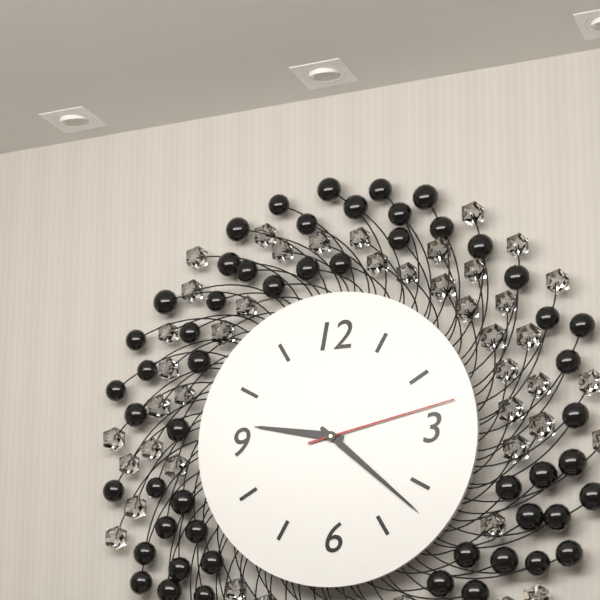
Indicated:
9.22.13
